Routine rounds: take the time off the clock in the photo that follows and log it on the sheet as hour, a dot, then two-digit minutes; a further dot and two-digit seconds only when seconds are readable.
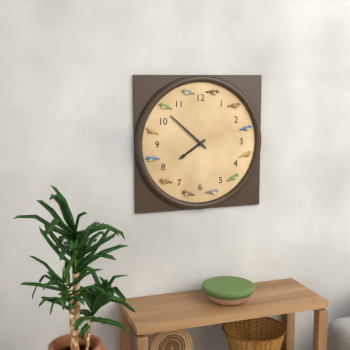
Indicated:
7.52
